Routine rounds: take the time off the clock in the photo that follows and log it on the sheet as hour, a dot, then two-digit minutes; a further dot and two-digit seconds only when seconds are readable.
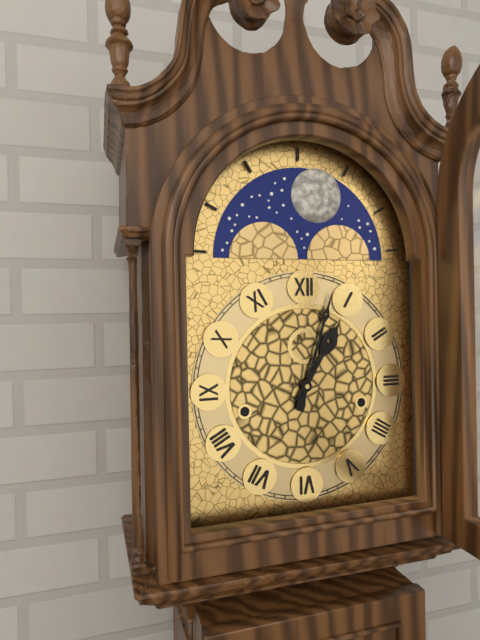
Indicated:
1.03
